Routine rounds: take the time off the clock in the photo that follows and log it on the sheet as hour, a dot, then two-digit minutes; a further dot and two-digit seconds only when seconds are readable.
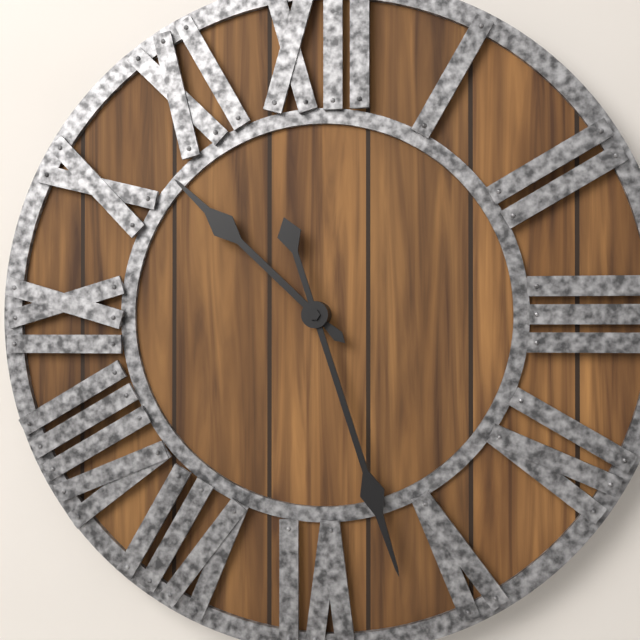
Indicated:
10.27
